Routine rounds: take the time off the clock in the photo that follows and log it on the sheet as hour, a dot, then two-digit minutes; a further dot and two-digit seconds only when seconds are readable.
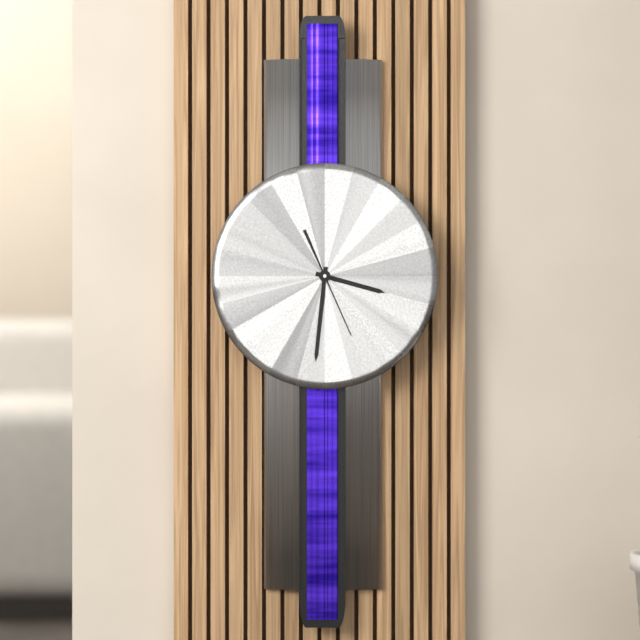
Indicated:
3.31.26
